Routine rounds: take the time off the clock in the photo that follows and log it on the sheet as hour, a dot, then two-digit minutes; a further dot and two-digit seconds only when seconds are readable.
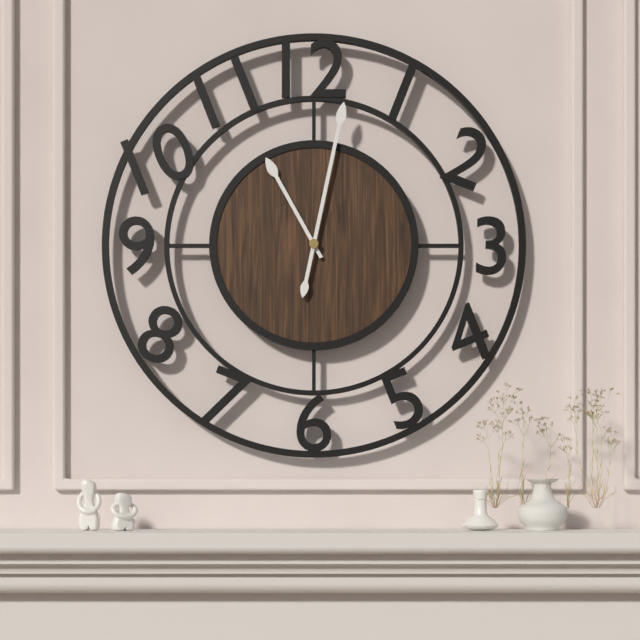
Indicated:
11.02
